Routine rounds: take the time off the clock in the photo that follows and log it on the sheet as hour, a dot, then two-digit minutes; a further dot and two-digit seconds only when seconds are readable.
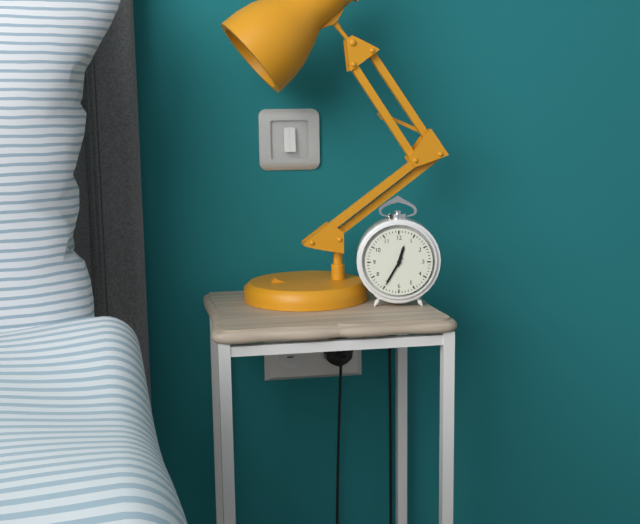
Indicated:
12.35
